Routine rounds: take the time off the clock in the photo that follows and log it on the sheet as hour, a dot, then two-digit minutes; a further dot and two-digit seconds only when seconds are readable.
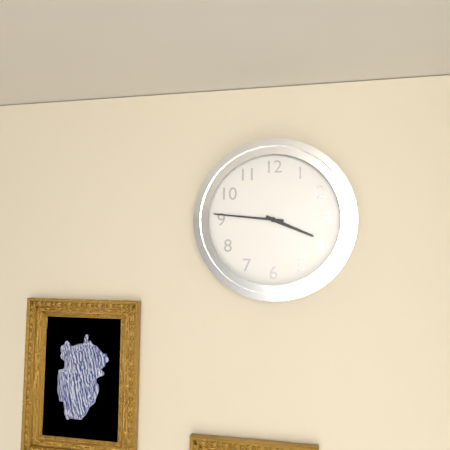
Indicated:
3.46
